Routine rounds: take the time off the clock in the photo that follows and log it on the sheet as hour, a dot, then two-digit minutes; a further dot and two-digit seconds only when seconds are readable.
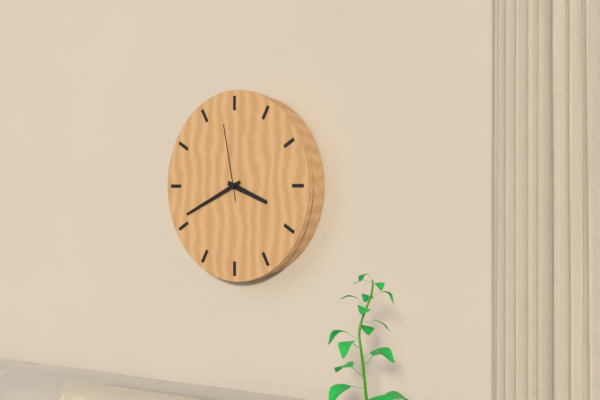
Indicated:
3.41.58
